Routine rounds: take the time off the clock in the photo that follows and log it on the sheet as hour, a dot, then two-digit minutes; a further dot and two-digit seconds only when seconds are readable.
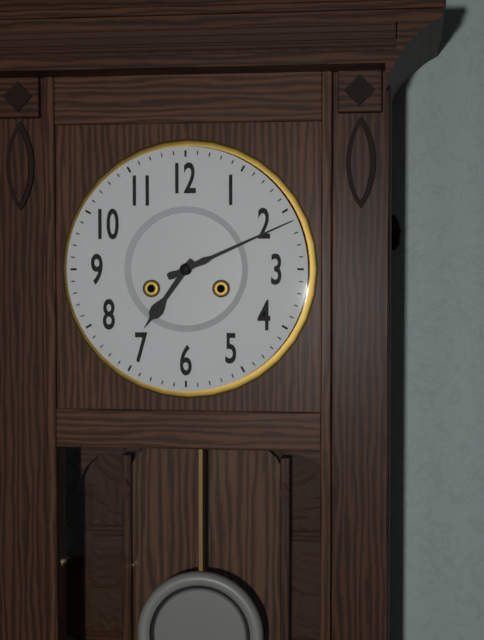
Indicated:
7.11
